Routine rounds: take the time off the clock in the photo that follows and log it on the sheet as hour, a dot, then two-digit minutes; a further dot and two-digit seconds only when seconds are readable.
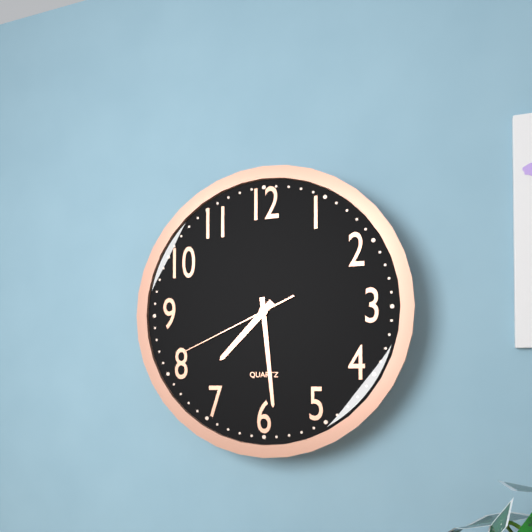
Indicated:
7.29.41
